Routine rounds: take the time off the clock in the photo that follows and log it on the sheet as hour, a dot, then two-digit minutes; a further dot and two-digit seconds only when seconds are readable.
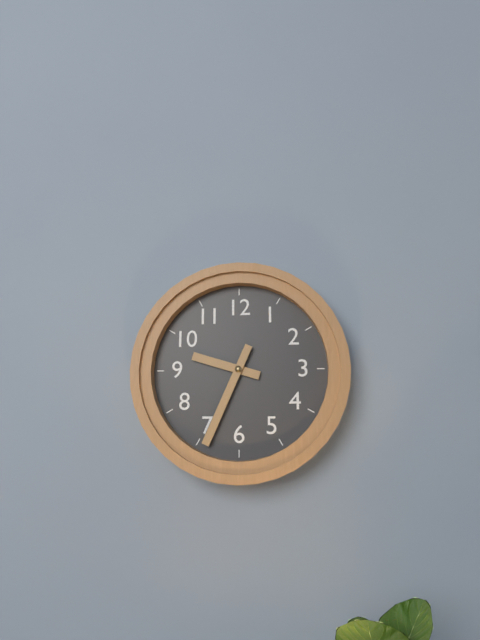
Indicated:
9.34
